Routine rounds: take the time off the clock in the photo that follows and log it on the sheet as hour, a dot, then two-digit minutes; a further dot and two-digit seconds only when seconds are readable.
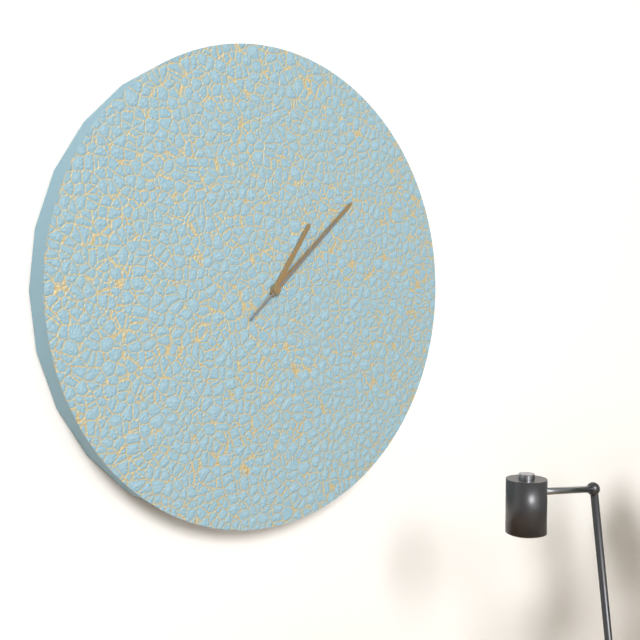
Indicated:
1.08.08
